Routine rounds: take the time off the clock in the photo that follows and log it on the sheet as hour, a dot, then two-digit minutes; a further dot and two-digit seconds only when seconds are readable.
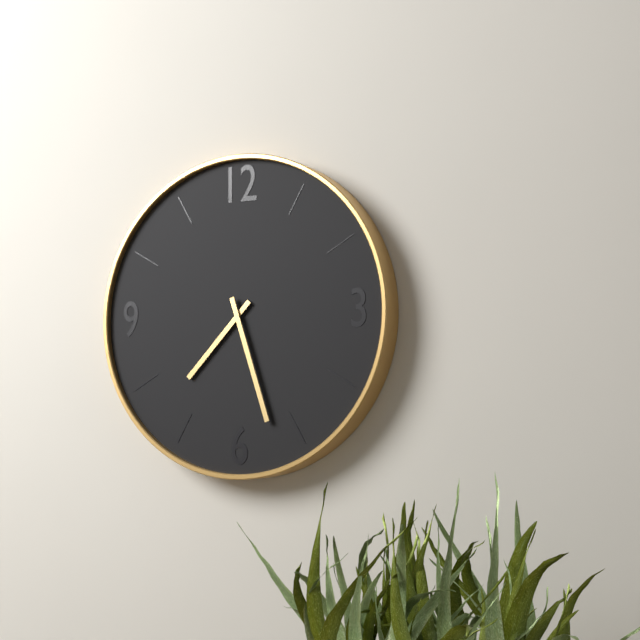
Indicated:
7.27
